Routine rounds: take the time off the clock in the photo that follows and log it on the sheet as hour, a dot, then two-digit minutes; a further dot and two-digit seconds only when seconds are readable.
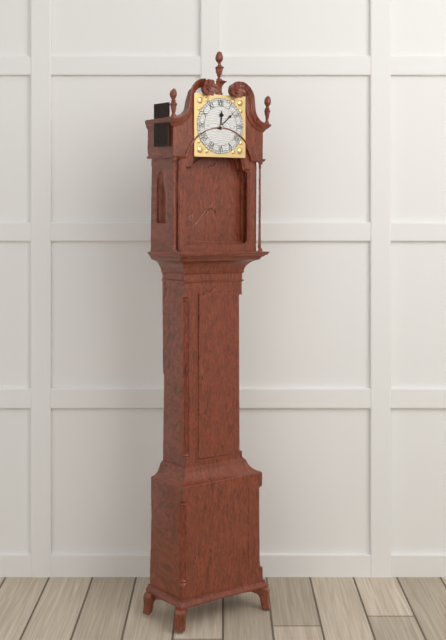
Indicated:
12.08
